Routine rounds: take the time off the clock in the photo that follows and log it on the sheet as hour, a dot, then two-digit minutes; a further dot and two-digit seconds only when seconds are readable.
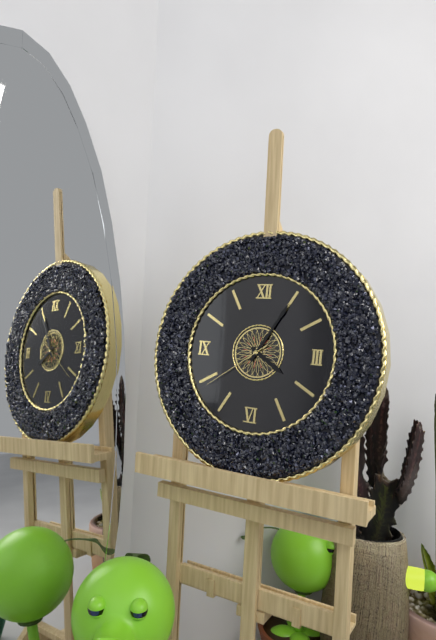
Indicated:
4.05.39
